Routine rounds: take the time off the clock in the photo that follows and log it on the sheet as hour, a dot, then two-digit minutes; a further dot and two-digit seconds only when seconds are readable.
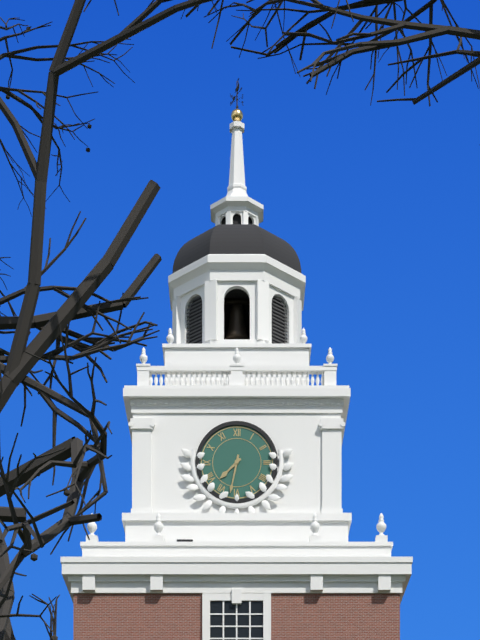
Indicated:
7.32
